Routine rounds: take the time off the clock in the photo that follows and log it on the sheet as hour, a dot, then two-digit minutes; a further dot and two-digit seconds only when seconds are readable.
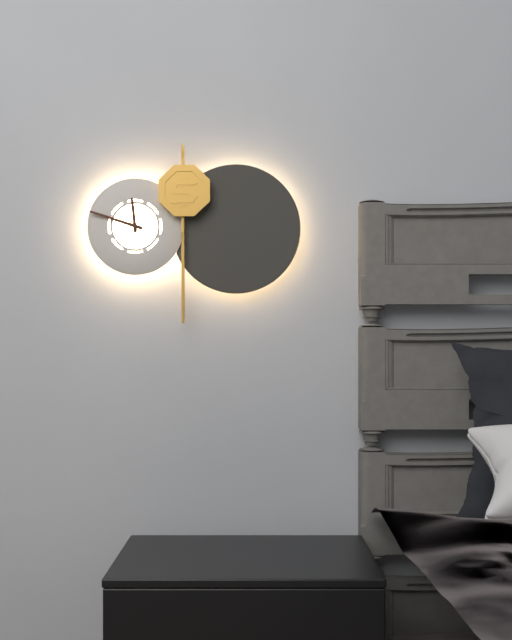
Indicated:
11.48
